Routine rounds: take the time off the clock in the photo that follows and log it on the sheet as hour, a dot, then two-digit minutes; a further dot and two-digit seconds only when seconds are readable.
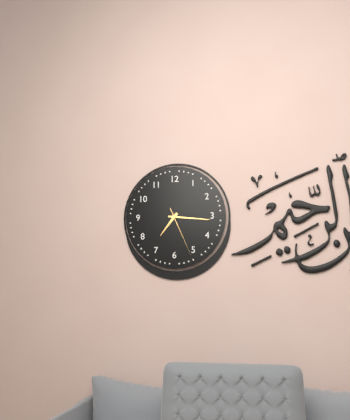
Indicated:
7.16.26
